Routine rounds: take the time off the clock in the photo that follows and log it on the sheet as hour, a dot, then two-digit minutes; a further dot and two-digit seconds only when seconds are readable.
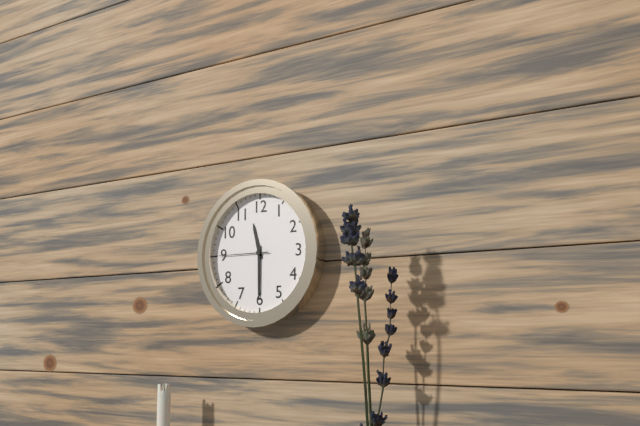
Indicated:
11.30
